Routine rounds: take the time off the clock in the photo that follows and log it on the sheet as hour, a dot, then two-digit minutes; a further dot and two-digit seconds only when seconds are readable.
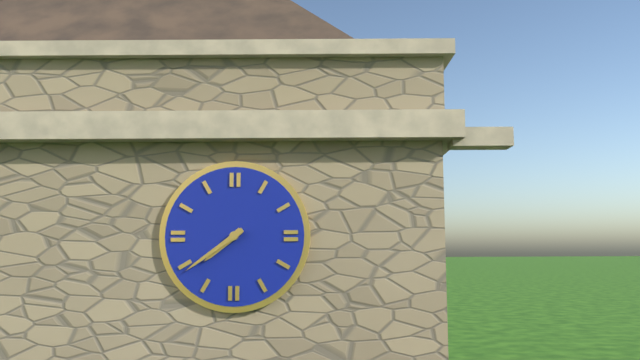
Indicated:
7.39
